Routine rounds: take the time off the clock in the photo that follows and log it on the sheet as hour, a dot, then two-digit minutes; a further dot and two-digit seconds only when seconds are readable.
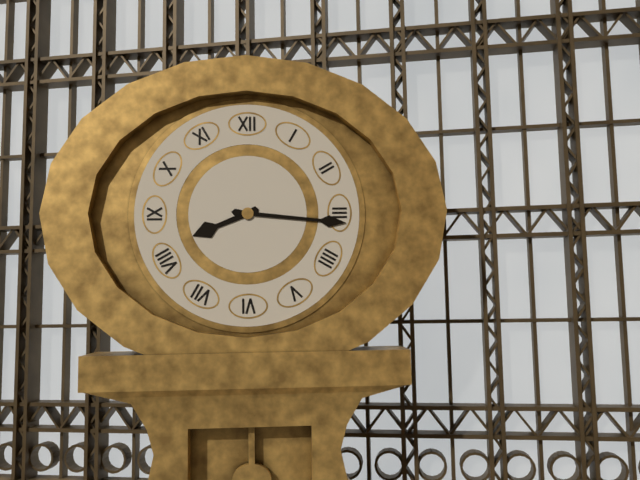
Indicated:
8.16
